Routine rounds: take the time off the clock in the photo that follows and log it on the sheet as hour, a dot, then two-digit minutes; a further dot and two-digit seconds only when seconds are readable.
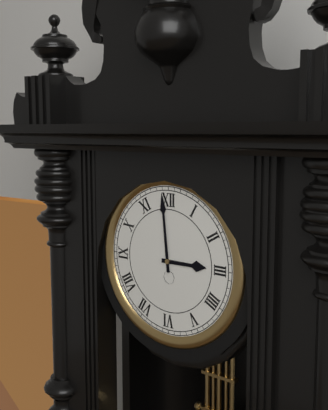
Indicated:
2.59
